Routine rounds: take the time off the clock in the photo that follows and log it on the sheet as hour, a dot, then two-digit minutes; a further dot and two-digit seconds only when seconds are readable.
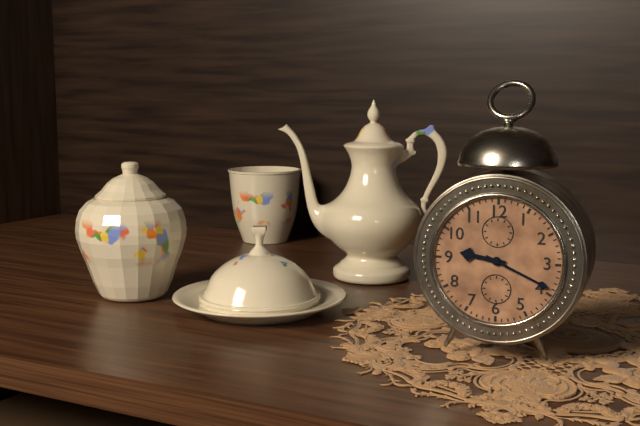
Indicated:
9.19
